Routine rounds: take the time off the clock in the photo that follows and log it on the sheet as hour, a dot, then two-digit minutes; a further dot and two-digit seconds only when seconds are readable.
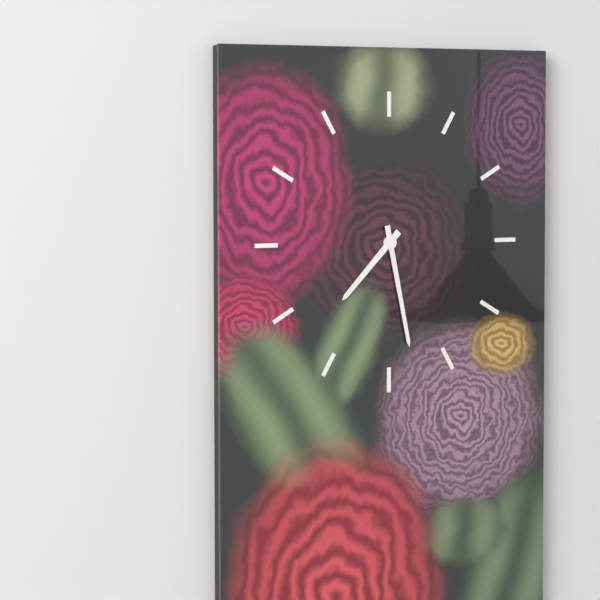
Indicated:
7.28
